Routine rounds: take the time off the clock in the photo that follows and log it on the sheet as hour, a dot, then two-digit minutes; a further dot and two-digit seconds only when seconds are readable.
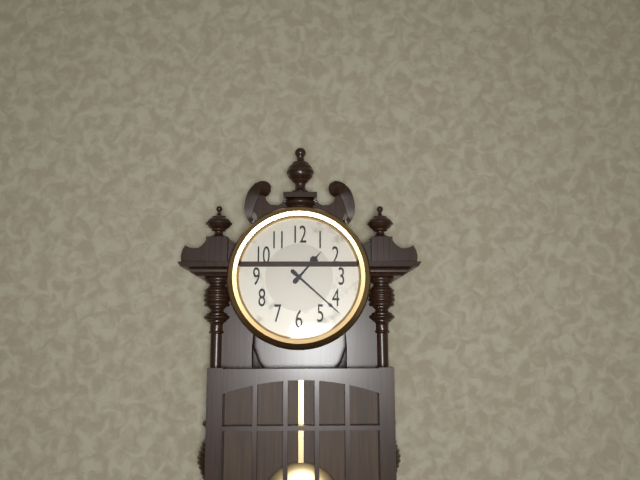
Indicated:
1.22
